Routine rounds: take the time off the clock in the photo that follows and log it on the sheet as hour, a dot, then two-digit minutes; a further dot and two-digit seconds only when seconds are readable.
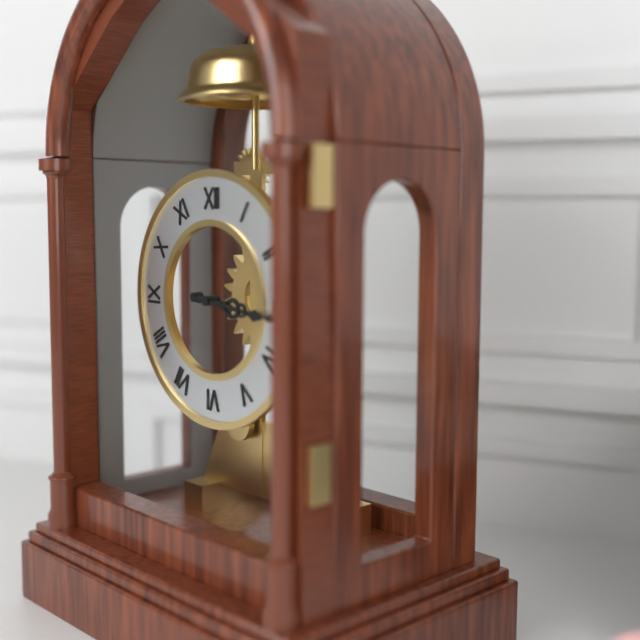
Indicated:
3.16
